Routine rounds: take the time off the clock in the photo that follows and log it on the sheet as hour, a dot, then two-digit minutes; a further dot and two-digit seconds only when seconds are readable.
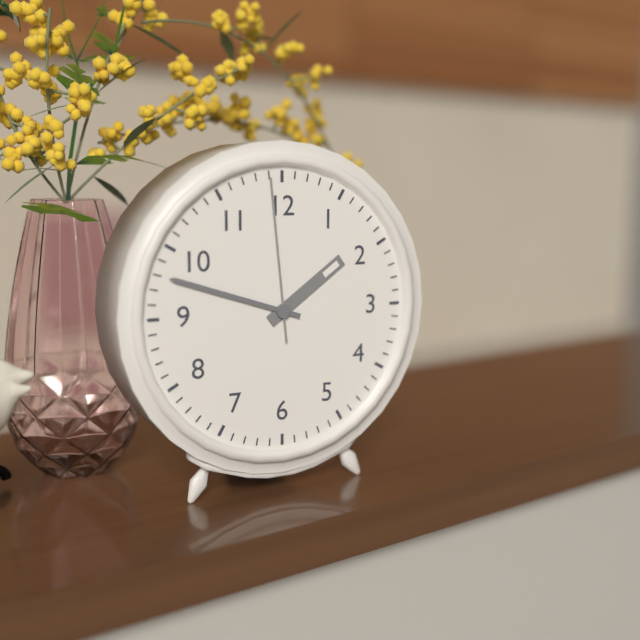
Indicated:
1.48.59
